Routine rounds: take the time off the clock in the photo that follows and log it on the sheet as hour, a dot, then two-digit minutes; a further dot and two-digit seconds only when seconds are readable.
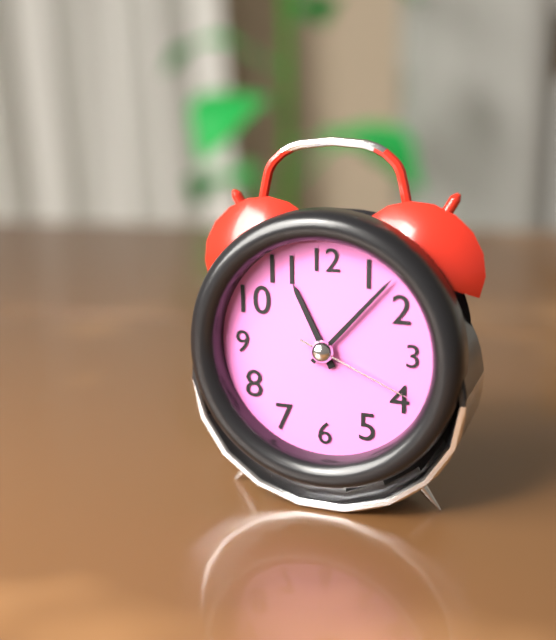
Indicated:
11.07.19
